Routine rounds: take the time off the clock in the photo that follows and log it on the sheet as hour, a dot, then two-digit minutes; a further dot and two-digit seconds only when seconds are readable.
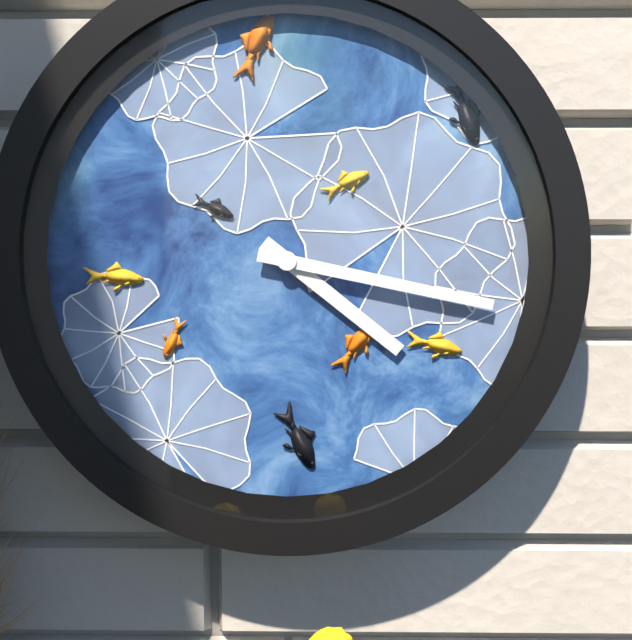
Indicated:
4.17
